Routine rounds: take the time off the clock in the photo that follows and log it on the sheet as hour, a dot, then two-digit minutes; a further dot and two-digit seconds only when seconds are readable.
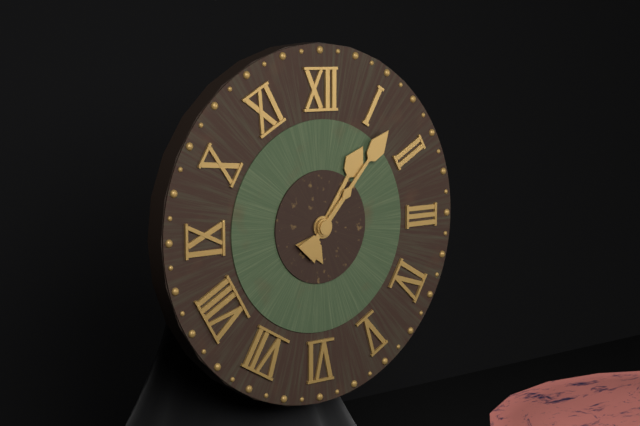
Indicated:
1.07
